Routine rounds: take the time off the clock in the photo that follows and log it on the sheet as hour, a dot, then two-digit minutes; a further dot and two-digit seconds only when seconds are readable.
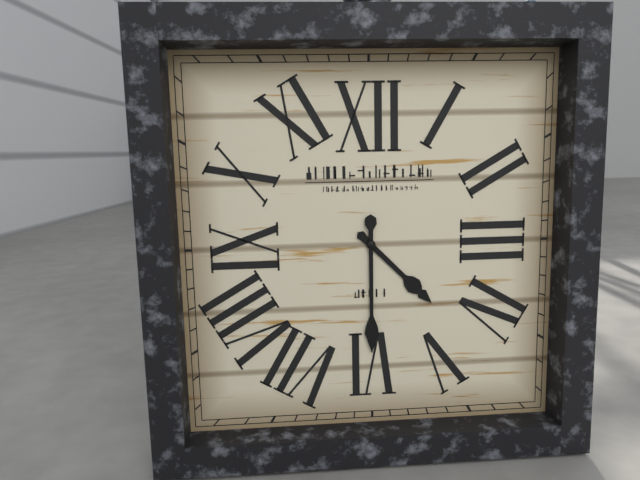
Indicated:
4.30
